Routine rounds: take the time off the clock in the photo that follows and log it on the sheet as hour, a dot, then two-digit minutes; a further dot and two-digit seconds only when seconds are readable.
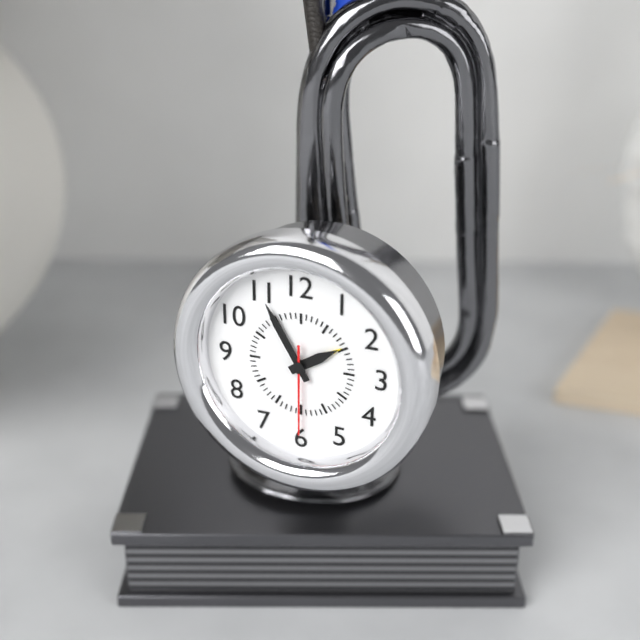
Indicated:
1.55.30
